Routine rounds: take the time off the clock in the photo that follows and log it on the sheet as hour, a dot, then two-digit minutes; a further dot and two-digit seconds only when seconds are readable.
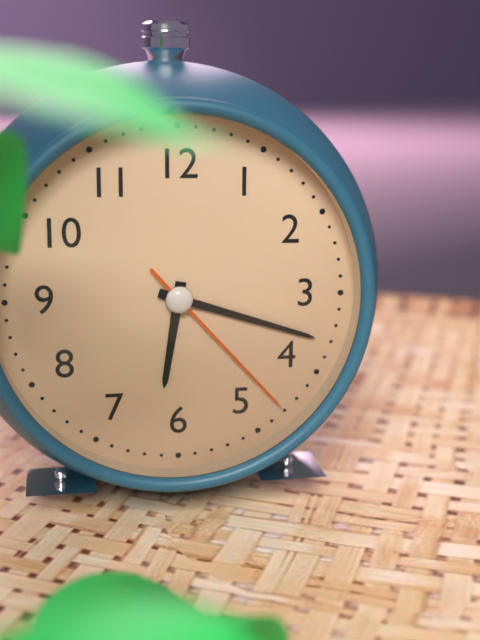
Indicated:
6.18.23
